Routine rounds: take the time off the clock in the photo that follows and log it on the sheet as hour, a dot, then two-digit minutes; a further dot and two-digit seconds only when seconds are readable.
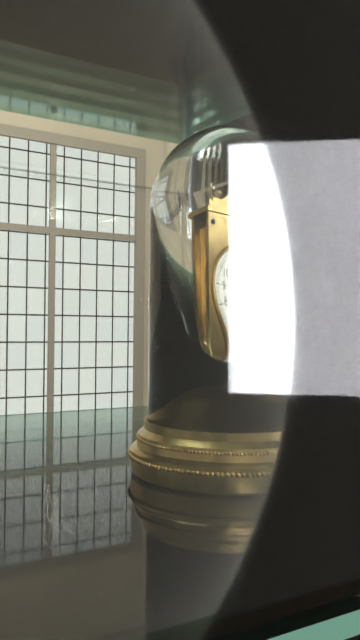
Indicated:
6.19
